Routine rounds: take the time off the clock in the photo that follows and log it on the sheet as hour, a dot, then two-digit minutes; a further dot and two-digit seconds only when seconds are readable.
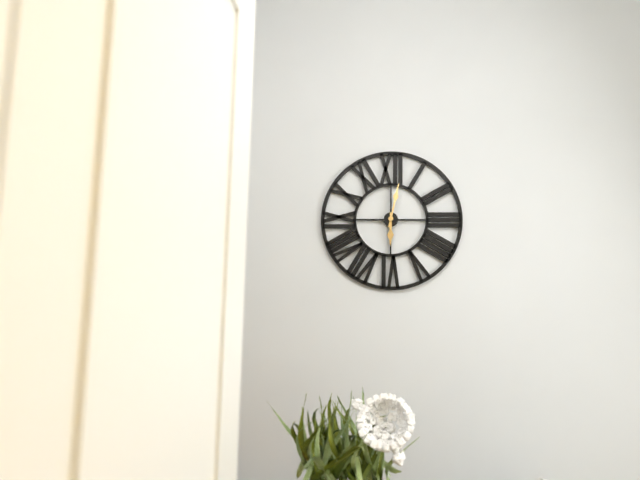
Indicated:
6.02
